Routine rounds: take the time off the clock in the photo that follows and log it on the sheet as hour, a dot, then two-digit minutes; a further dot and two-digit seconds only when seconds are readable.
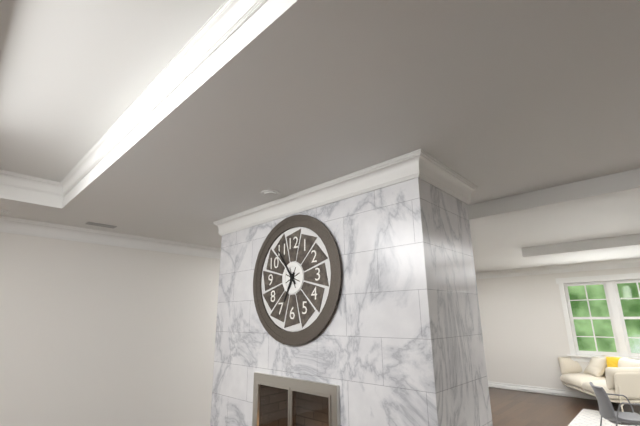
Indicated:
6.54
